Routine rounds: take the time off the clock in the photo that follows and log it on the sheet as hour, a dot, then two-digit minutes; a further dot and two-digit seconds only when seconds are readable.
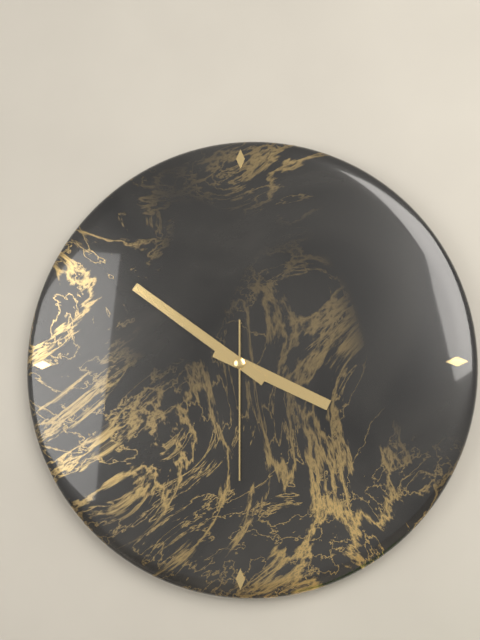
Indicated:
3.51.30
